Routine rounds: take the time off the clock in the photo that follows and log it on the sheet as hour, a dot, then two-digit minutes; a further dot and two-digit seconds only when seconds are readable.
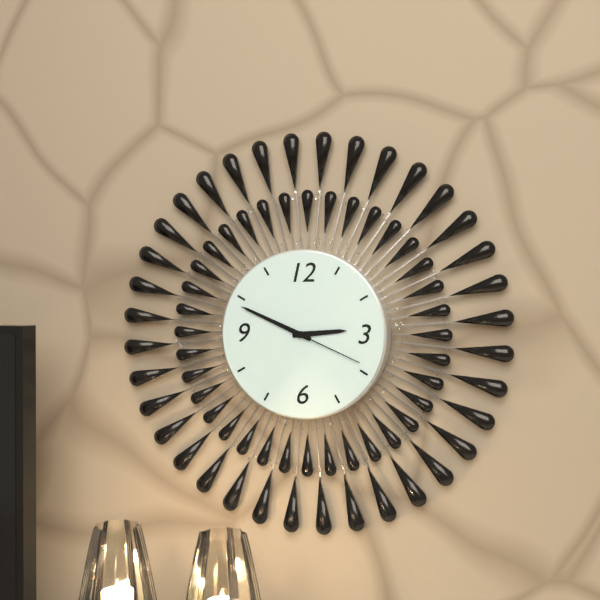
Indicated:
2.49.19
